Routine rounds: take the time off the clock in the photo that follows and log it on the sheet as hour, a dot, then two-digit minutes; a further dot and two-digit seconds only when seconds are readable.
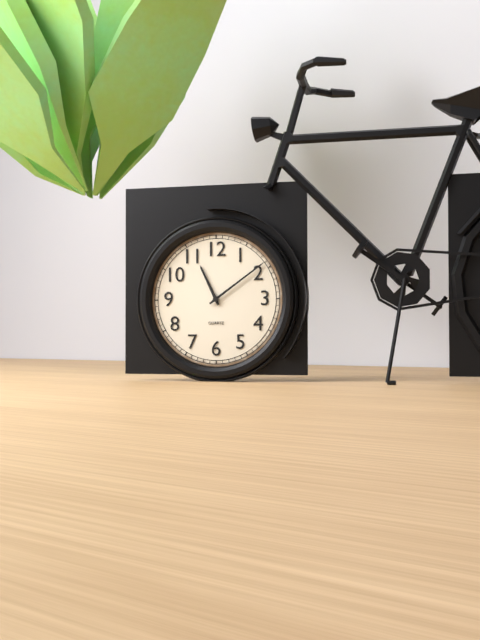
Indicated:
11.09
